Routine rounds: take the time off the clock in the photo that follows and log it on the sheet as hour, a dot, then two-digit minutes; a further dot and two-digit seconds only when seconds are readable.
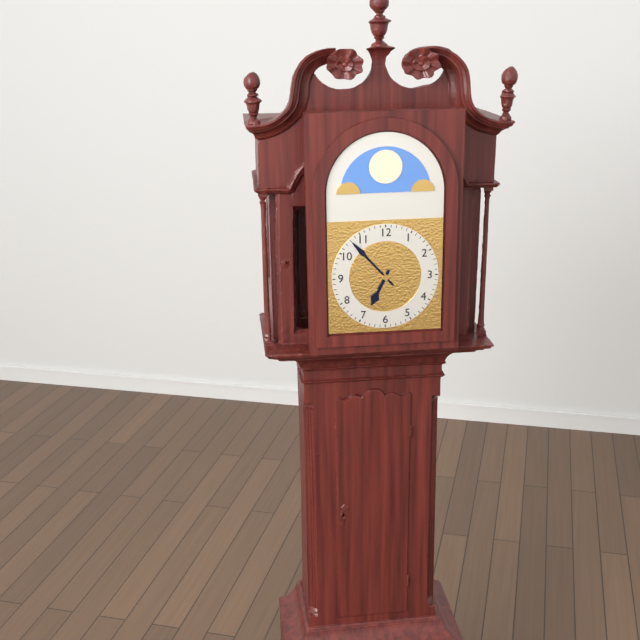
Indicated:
6.53
